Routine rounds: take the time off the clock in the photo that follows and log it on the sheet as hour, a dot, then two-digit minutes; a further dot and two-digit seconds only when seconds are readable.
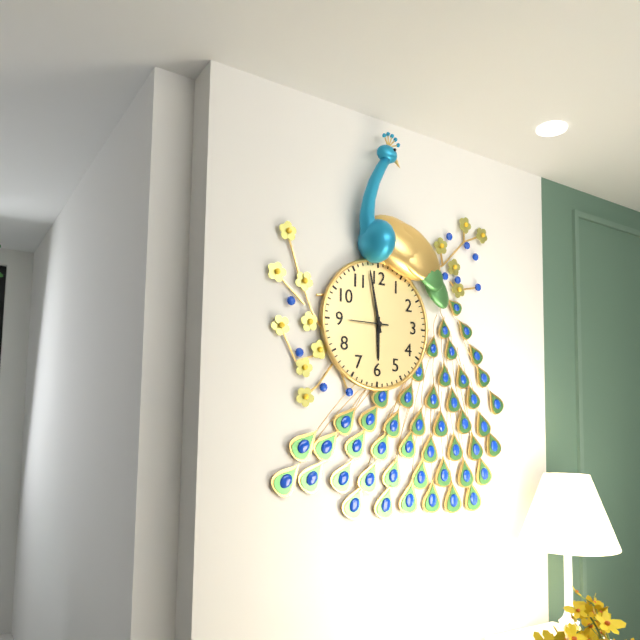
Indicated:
5.58
